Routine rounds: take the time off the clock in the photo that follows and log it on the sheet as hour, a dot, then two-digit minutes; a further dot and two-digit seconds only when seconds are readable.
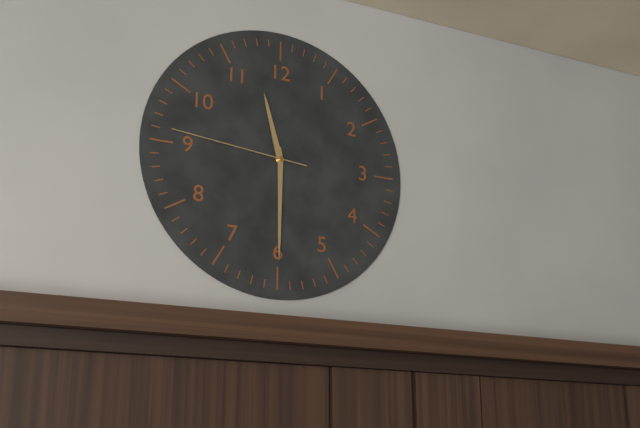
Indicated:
11.30.46
